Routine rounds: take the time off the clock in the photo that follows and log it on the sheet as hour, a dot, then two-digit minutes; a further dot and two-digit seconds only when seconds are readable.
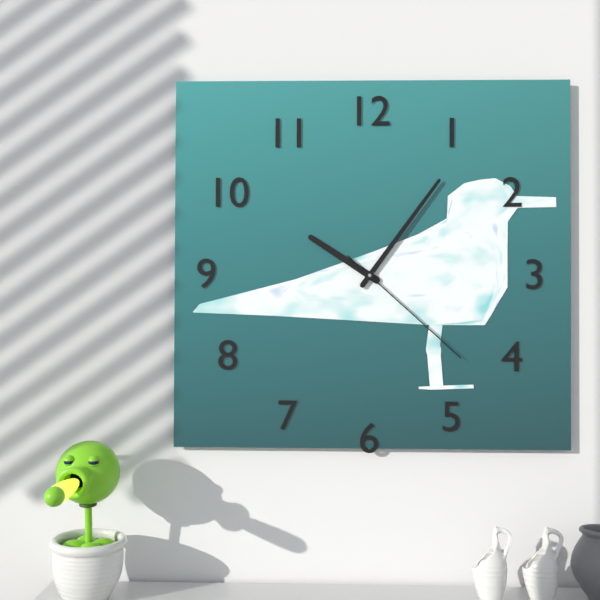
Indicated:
10.06.22
